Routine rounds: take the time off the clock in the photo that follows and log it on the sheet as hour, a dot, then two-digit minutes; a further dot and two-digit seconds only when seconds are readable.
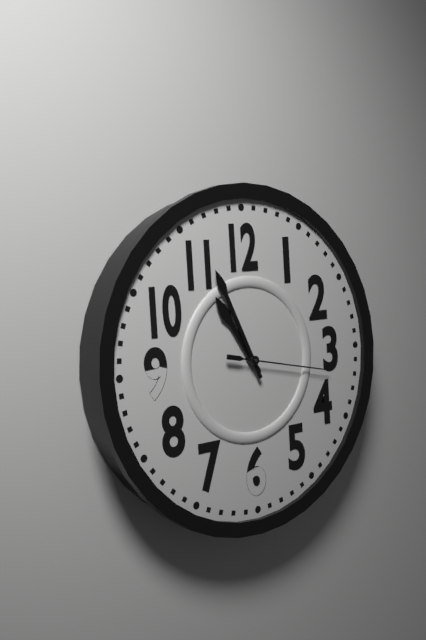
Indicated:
10.56.17
